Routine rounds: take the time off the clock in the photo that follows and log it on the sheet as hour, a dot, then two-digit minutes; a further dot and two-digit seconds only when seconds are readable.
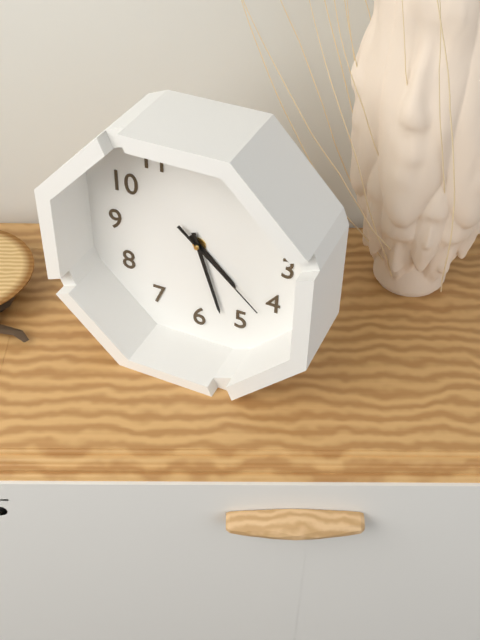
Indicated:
4.27.22
